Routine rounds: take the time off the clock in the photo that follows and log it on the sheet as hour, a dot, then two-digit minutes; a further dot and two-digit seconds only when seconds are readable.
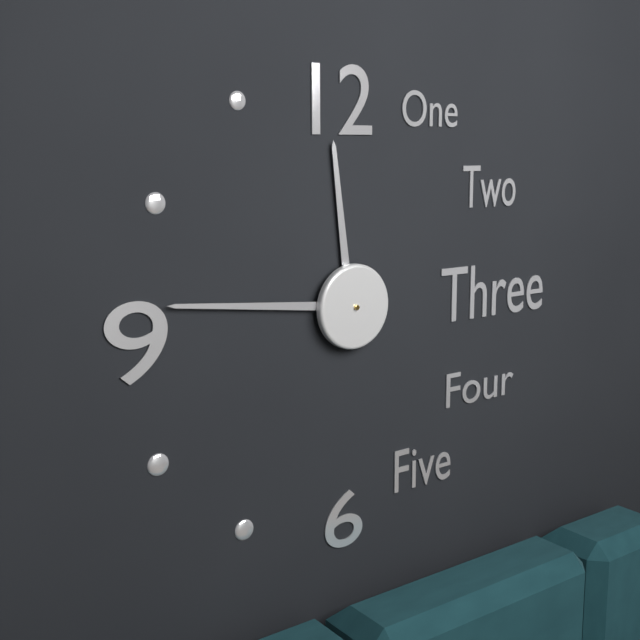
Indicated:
11.46
